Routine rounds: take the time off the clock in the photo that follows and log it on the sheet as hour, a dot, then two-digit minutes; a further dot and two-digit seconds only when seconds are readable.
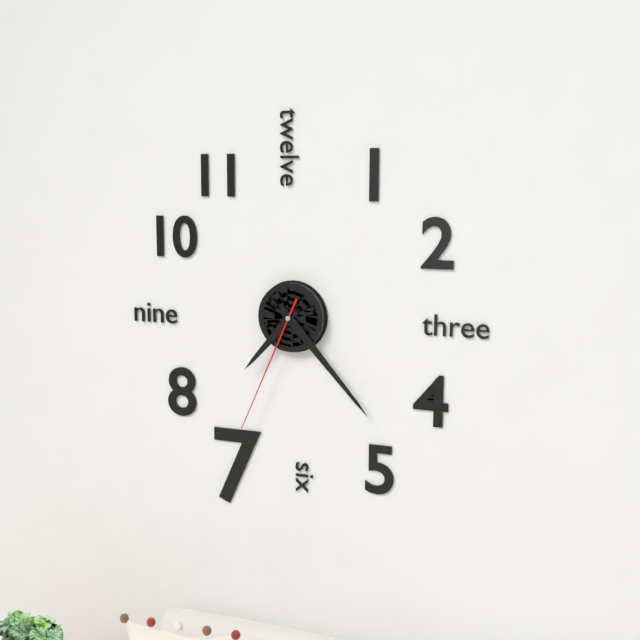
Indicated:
7.23.34
